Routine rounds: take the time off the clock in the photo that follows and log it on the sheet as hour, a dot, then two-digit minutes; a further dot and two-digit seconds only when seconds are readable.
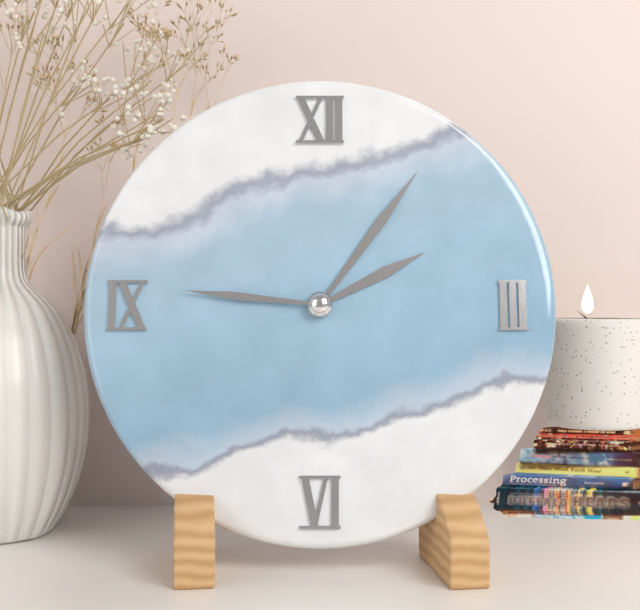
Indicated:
2.06.46
